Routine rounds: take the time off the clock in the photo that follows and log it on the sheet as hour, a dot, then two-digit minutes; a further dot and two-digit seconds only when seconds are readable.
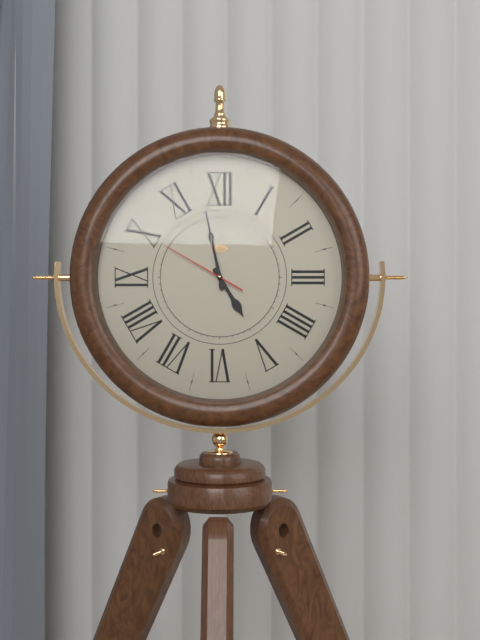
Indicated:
4.58.50
